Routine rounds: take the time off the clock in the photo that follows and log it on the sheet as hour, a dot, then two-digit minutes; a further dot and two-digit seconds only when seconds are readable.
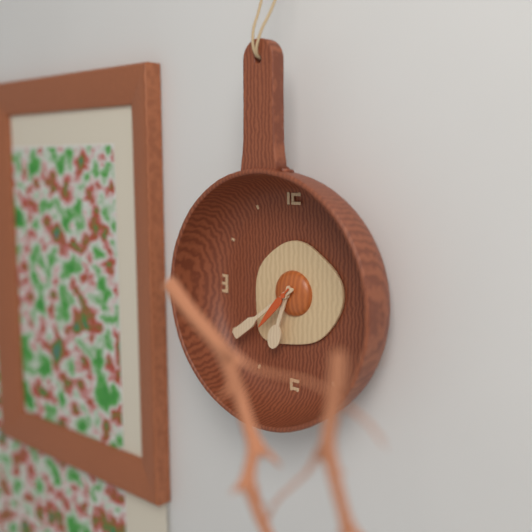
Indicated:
6.39.37
